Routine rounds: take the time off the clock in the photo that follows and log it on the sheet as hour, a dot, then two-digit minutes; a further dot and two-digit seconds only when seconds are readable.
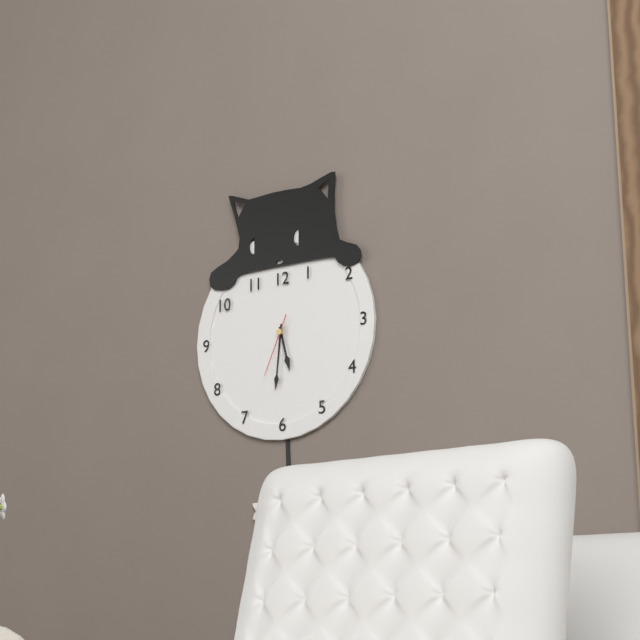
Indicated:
5.31.34
